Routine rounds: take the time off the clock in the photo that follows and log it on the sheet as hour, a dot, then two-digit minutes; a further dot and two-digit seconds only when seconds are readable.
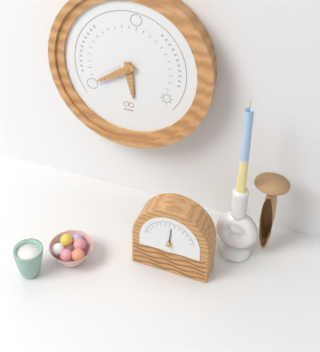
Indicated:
5.40
